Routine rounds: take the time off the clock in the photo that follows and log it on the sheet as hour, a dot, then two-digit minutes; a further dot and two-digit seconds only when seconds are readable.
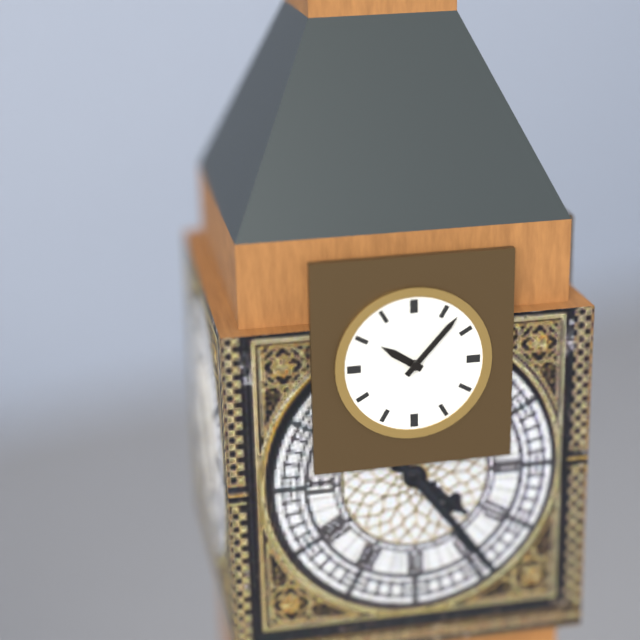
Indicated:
10.07
